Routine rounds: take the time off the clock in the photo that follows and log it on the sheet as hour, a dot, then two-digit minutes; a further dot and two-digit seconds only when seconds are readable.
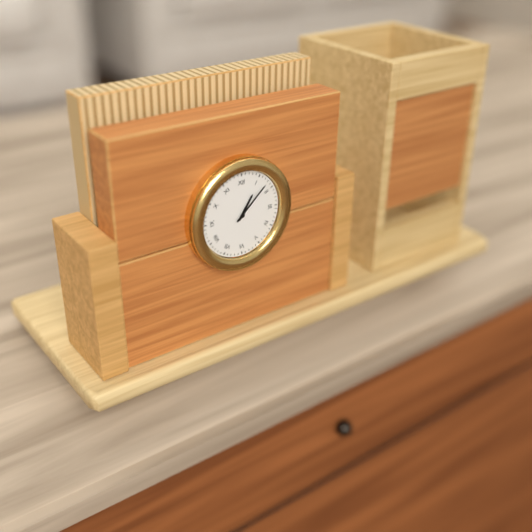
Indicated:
1.08
